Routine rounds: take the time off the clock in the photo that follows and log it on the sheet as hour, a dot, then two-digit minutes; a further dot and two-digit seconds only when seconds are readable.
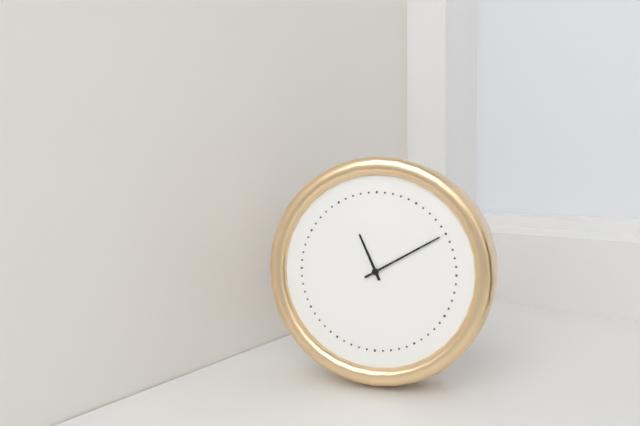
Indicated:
11.10
